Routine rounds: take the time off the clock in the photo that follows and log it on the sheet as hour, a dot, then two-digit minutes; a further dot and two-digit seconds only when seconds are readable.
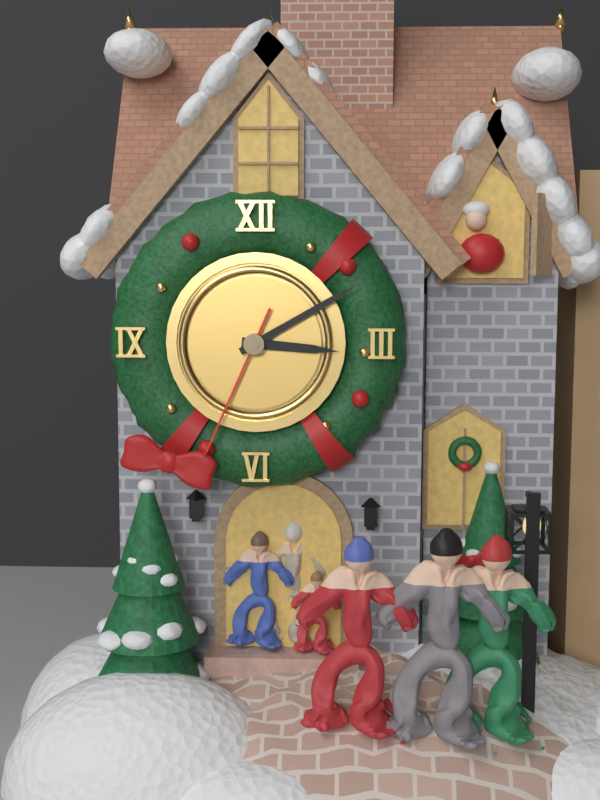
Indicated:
3.10.34
